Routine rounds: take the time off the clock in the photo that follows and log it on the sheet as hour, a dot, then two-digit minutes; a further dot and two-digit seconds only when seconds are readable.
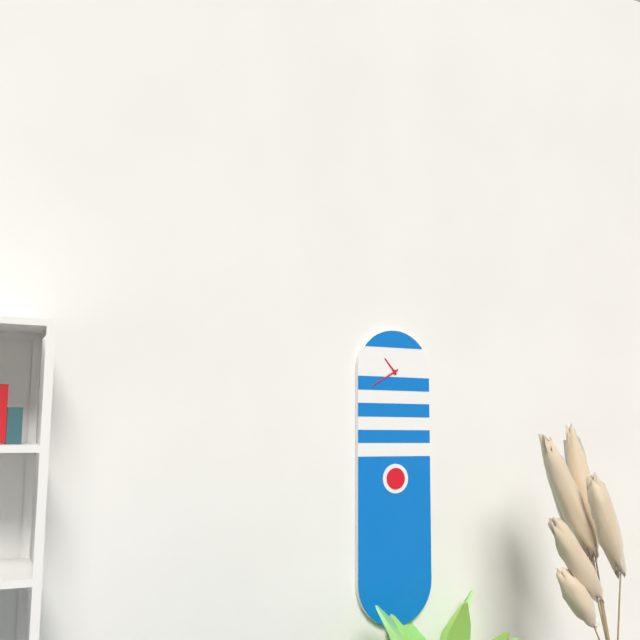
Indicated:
10.40
